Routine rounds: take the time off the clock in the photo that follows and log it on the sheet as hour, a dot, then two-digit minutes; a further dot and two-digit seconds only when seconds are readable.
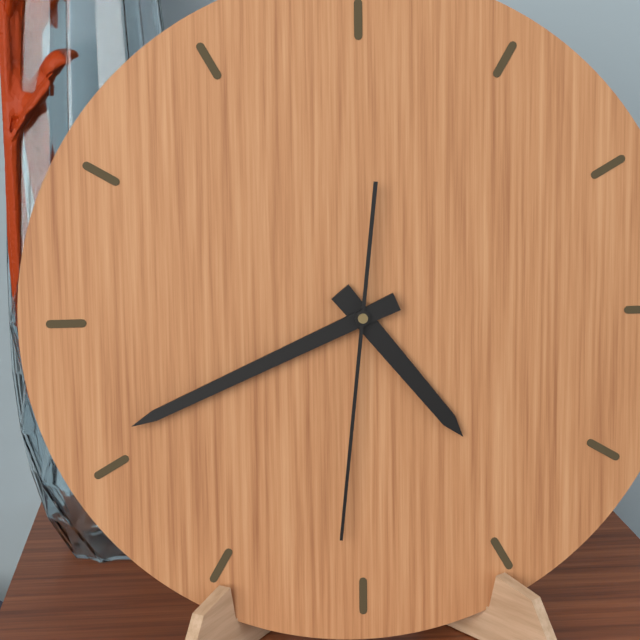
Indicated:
4.41.31
